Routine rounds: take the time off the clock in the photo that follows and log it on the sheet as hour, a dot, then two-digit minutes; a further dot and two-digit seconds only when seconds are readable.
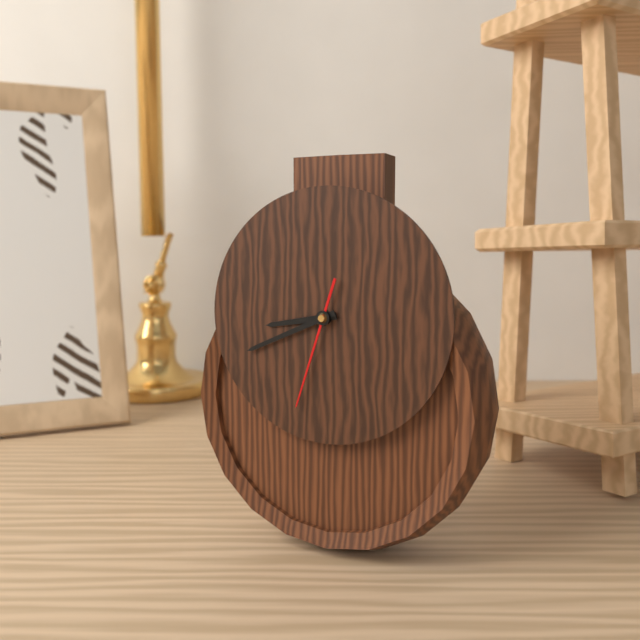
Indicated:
8.41.33
